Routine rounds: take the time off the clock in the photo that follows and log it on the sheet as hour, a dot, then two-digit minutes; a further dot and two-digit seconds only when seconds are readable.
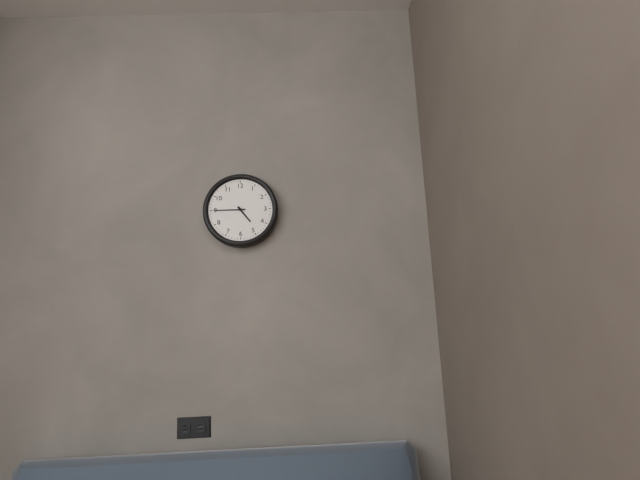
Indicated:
4.45
